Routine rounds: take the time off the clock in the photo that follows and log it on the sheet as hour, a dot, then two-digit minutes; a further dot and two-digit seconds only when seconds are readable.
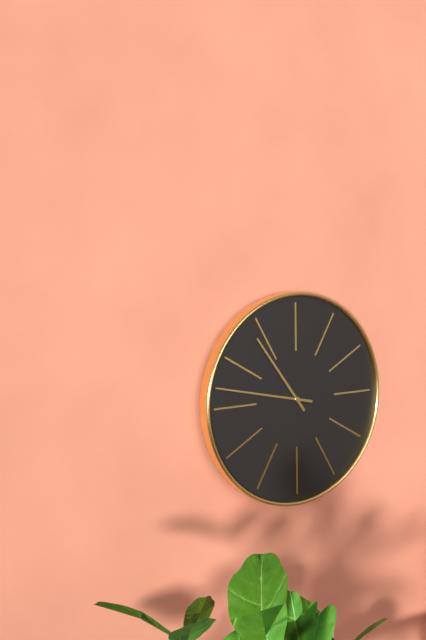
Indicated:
10.47
